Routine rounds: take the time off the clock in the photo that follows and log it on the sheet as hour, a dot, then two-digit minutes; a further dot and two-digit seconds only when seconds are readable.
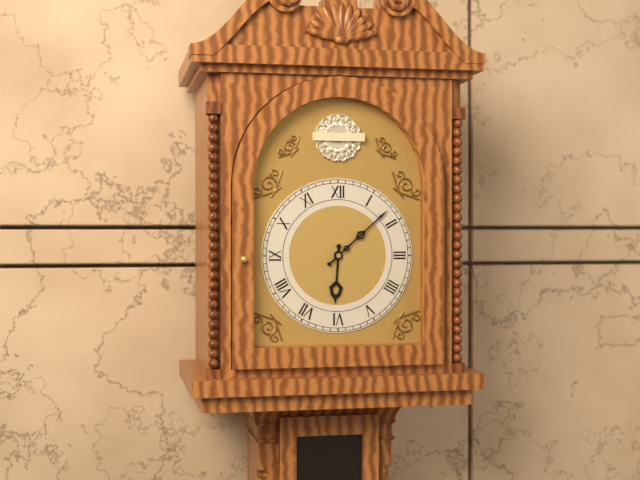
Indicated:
6.08
